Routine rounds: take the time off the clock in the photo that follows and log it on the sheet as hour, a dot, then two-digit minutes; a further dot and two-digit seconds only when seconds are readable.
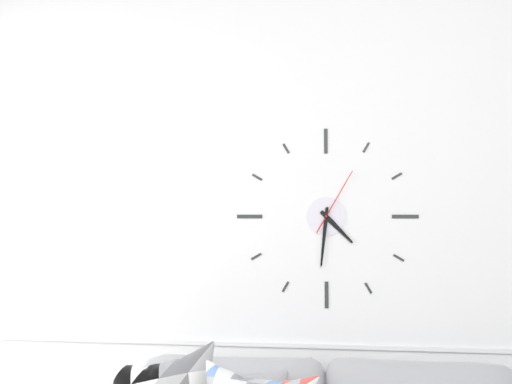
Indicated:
4.31.05
